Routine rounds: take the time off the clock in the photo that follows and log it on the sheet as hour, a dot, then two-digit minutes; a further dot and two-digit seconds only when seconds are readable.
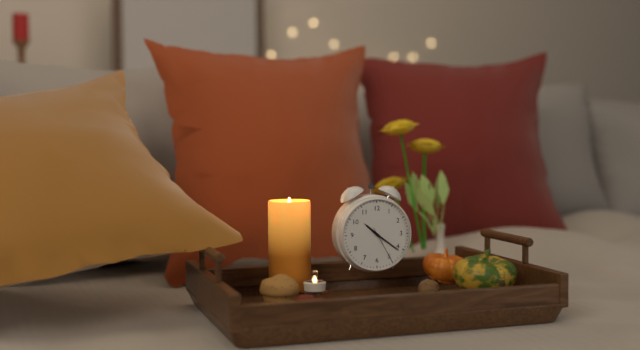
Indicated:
10.21
